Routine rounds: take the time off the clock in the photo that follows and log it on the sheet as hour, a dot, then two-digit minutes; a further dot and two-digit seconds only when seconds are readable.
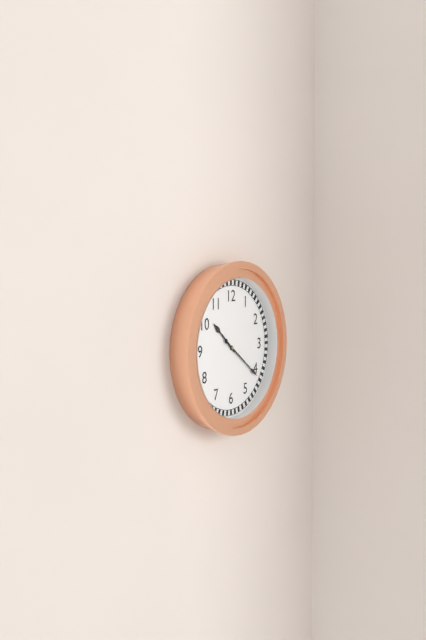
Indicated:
10.21
